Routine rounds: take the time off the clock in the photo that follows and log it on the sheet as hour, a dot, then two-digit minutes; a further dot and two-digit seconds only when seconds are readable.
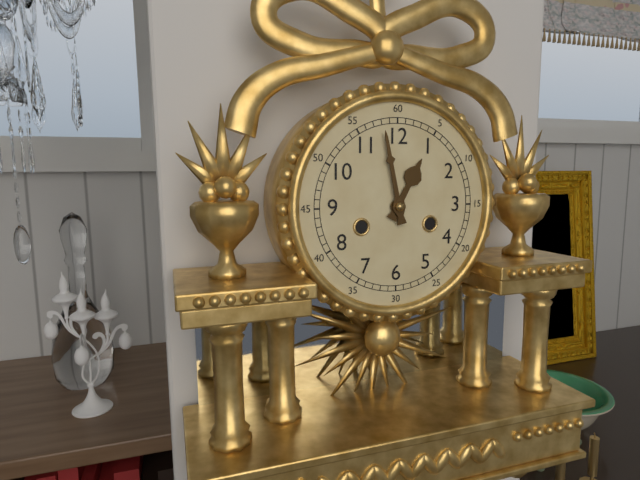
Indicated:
12.58
